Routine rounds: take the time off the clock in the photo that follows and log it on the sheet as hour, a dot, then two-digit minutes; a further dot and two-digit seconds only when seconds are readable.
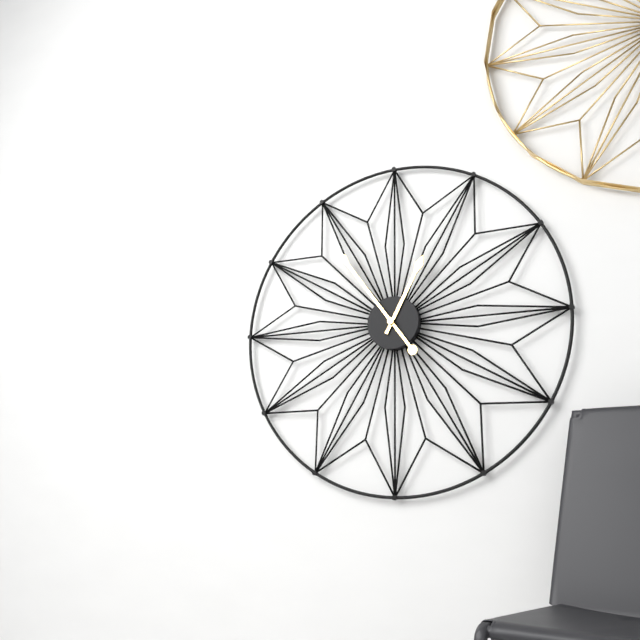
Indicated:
12.54
